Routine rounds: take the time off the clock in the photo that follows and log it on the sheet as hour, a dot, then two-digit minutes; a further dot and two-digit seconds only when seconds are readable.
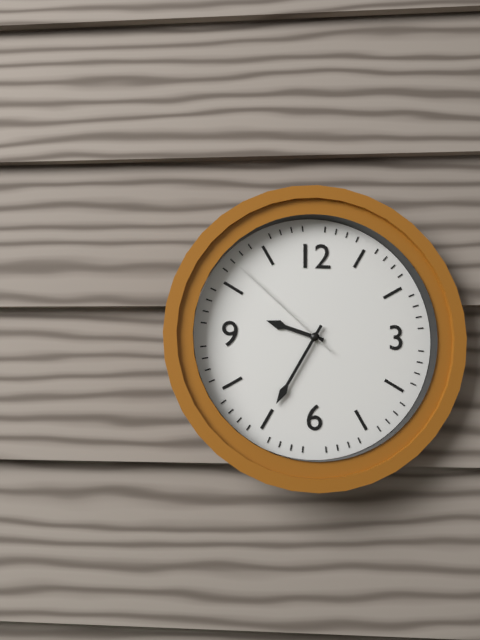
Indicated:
9.35.52
